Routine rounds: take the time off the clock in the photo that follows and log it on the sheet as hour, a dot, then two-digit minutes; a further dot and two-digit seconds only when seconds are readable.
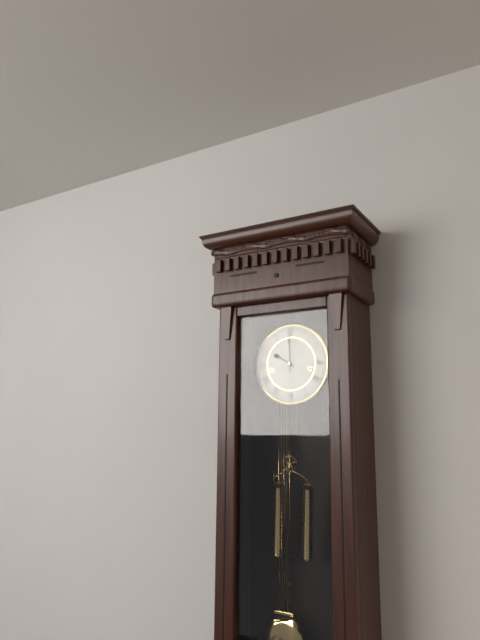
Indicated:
10.00
